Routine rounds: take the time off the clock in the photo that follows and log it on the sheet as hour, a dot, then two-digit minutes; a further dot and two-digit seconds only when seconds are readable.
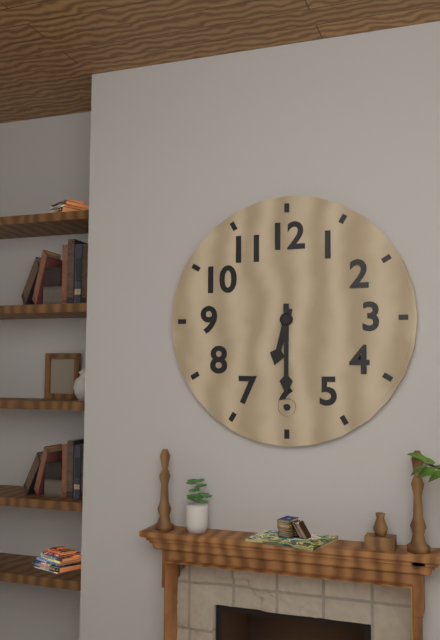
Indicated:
6.30
